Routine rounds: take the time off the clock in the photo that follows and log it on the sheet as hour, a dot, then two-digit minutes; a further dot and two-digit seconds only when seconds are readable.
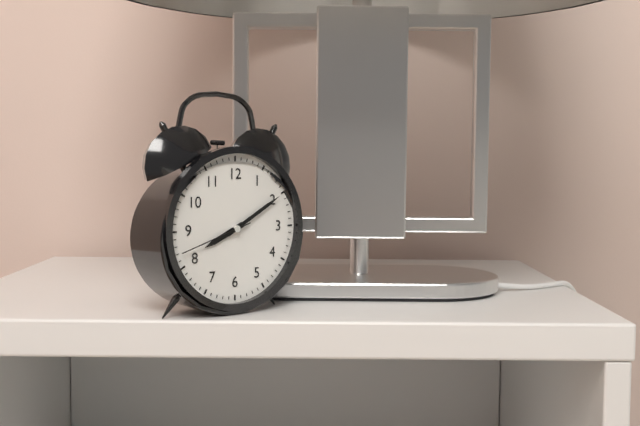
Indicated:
8.10.42
